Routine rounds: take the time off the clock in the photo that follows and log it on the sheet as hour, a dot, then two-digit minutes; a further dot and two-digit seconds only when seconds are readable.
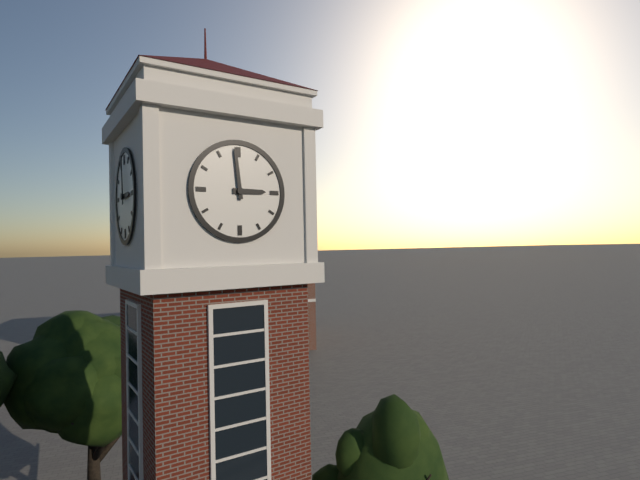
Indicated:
2.59
